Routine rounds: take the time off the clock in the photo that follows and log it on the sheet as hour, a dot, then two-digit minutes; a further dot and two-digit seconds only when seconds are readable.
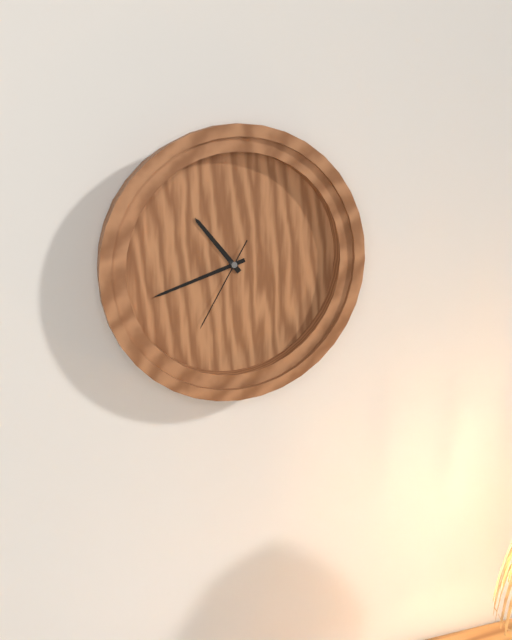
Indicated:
10.42.35
